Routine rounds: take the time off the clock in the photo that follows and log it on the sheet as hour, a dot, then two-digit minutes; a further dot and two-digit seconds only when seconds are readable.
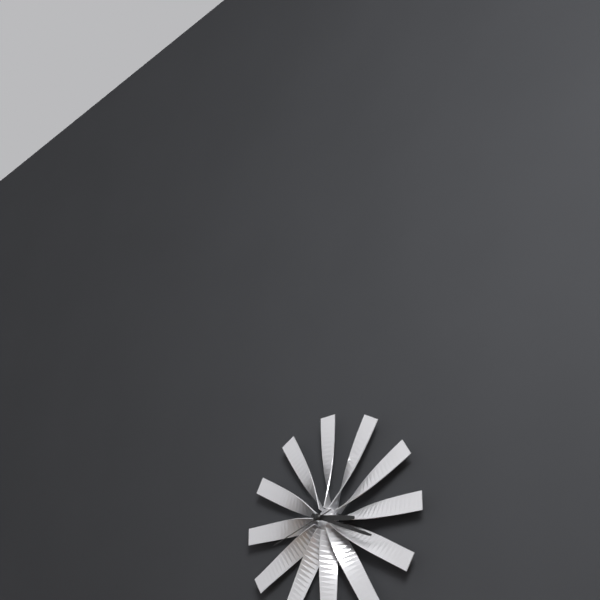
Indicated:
3.19.42
